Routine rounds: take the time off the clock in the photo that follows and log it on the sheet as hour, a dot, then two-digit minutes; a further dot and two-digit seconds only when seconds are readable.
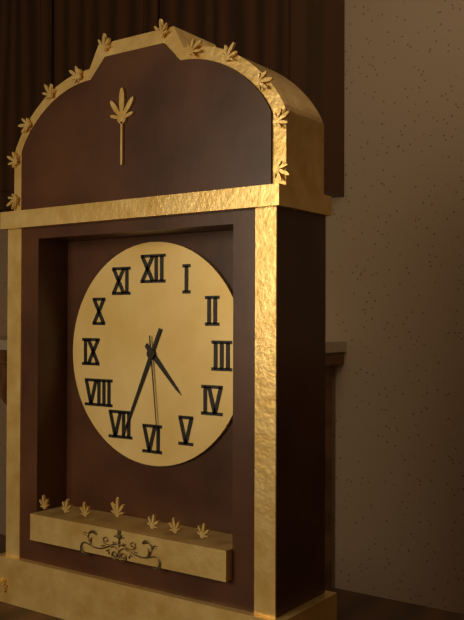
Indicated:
4.34.29
